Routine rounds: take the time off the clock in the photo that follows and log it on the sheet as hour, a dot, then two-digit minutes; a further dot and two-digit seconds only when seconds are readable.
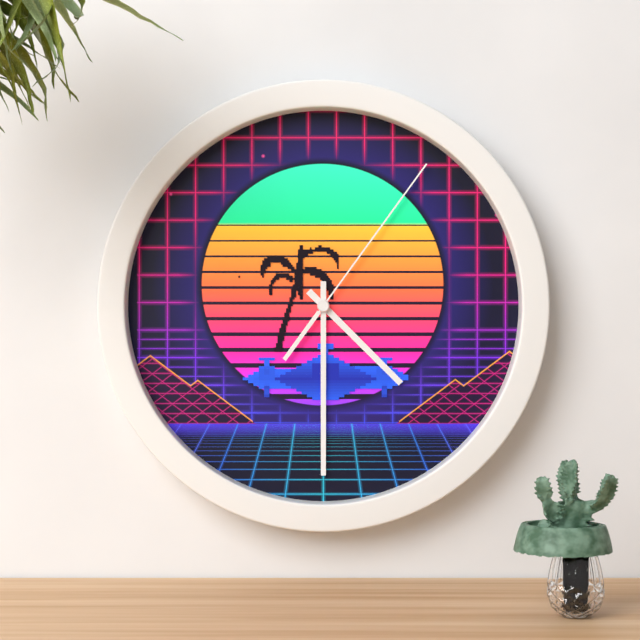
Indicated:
4.30.06
